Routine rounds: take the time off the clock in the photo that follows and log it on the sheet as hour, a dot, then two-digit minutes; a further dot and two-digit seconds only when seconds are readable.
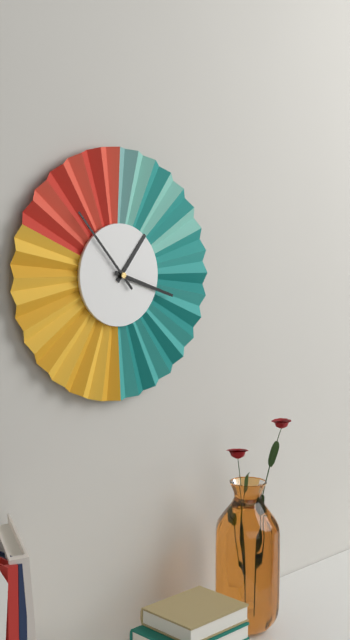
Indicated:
1.18.53
